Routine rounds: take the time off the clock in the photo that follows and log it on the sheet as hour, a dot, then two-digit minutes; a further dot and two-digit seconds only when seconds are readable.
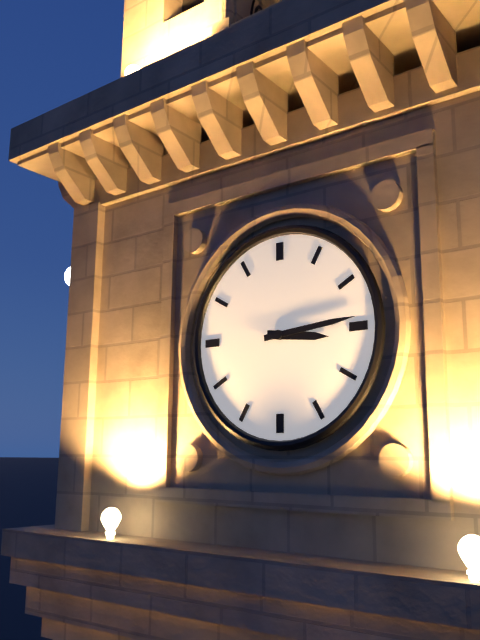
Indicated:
3.14
